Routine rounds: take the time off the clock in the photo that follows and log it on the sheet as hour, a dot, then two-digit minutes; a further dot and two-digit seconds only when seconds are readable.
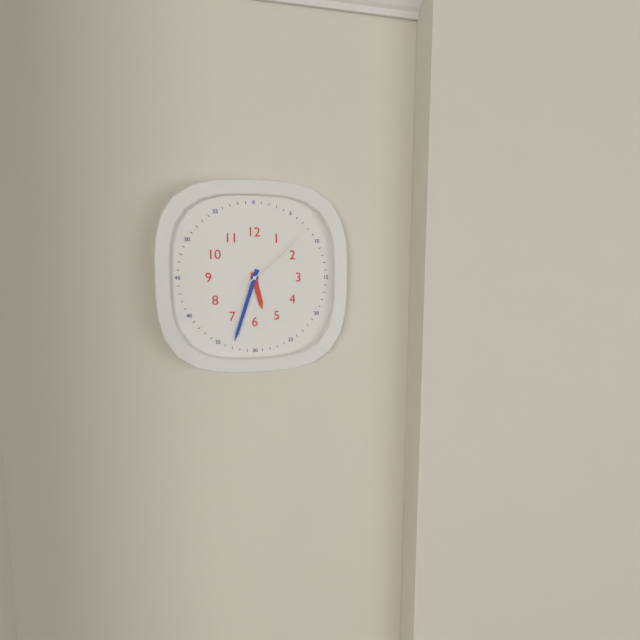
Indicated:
5.33.08
